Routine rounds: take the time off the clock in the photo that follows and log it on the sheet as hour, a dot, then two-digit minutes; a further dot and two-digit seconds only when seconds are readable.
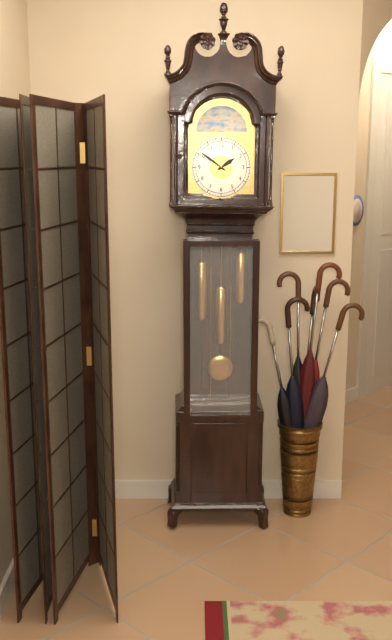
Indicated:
1.51
